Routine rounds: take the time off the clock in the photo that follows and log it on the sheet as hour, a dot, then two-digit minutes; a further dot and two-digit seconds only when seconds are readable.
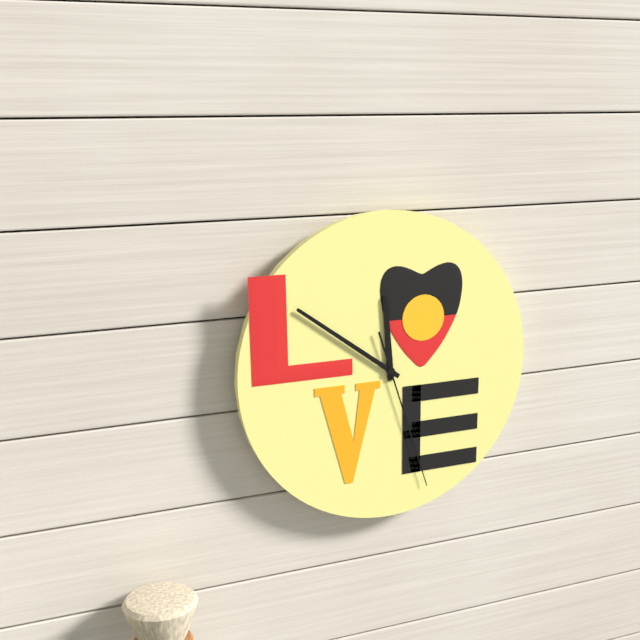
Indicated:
11.51.27
